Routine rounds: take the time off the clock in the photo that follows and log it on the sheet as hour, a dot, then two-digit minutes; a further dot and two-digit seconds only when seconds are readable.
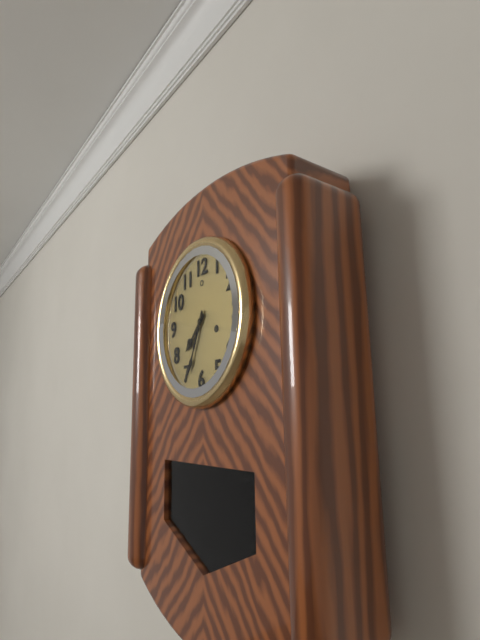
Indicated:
7.34
